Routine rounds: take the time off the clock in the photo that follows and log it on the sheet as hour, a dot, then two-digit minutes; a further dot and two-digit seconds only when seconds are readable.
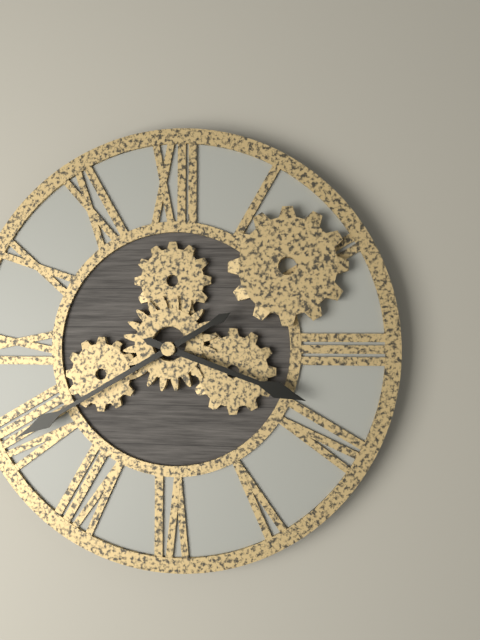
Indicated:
3.40
